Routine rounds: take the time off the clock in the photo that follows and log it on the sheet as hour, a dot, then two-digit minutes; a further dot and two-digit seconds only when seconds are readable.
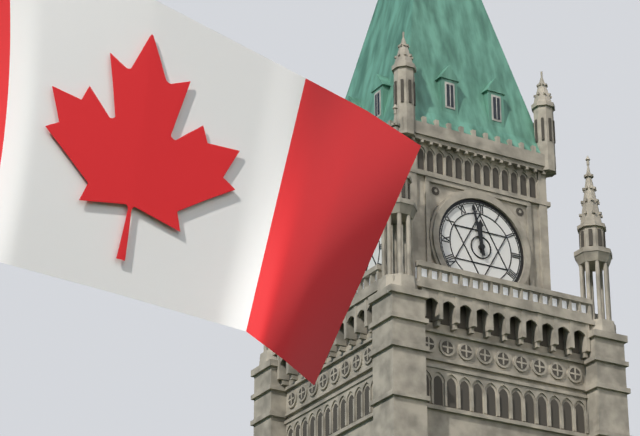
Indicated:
11.58
